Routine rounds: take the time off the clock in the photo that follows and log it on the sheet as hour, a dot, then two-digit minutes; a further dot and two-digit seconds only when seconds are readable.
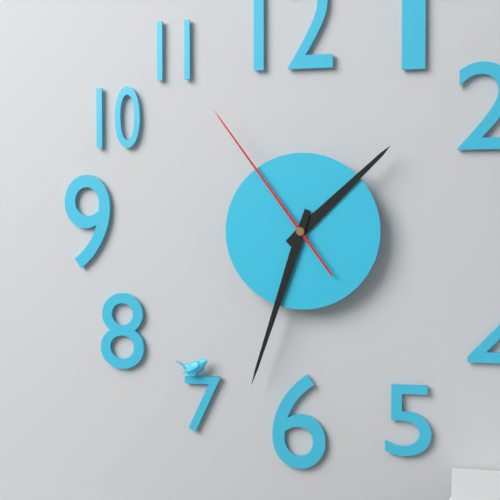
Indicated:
1.33.54
